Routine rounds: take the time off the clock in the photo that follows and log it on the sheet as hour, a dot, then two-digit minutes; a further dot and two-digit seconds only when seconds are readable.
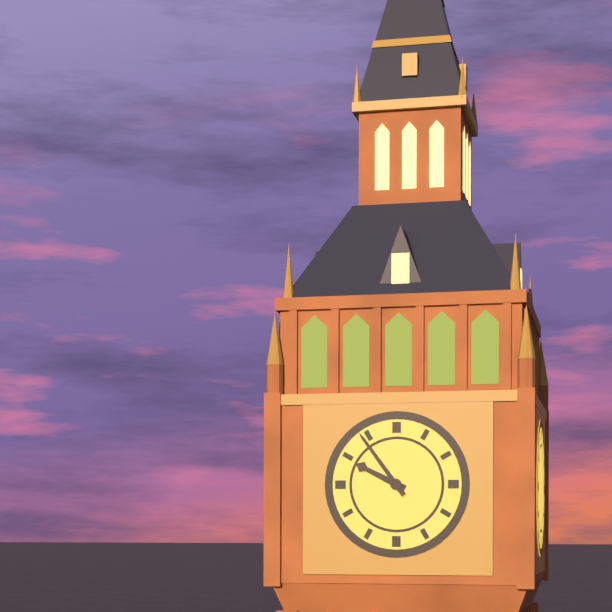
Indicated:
9.54
